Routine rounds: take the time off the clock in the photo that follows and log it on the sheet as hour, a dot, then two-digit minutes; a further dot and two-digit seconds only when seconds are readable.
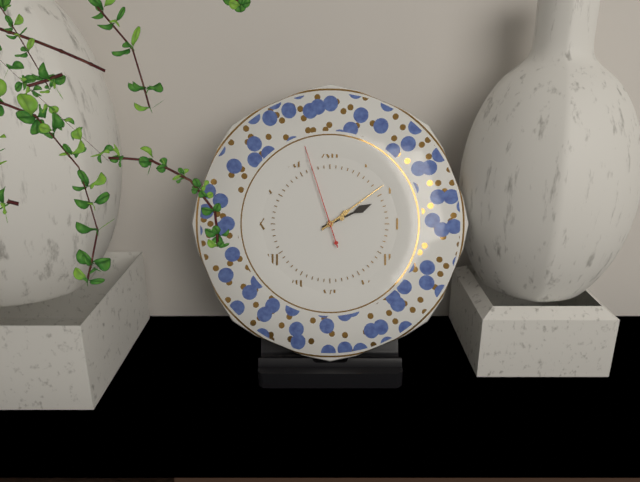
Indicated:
2.09.57
